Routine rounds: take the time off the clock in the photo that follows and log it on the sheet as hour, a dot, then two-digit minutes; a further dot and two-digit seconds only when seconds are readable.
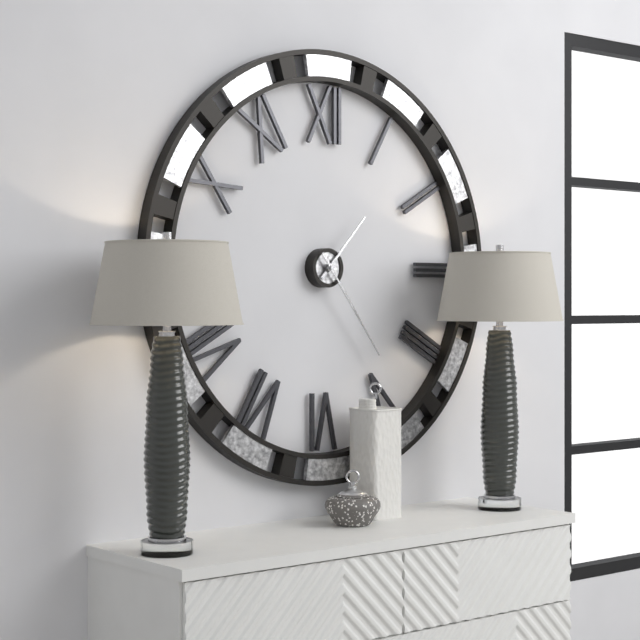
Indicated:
1.24
